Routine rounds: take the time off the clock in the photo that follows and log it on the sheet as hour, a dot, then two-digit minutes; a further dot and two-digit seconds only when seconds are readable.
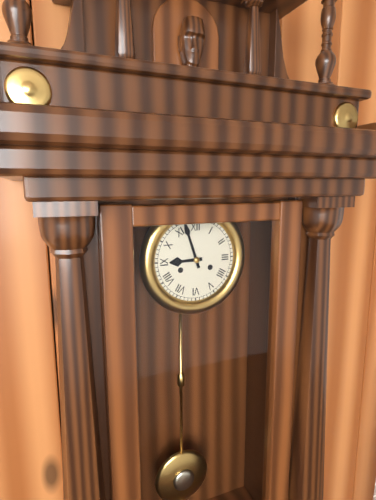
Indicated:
8.57
